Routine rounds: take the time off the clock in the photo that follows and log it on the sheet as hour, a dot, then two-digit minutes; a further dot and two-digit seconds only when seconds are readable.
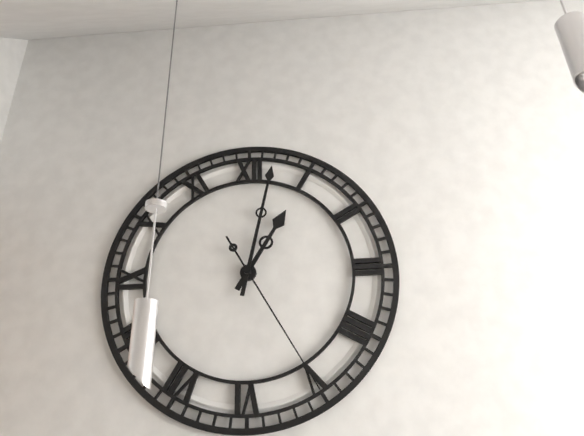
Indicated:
1.02.25
